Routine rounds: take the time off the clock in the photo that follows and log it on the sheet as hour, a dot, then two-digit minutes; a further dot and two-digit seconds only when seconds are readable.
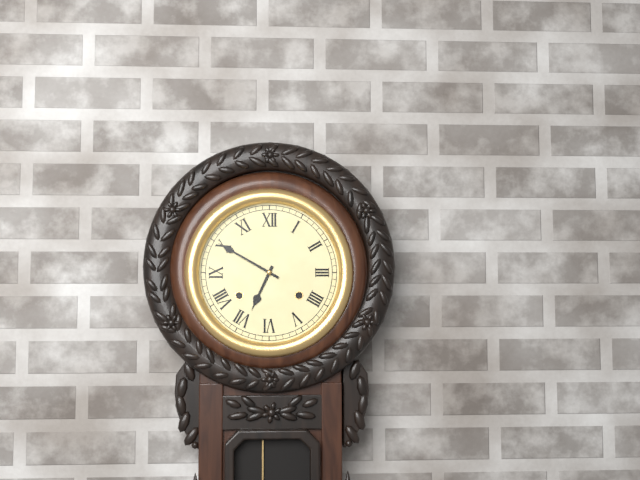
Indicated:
6.50
